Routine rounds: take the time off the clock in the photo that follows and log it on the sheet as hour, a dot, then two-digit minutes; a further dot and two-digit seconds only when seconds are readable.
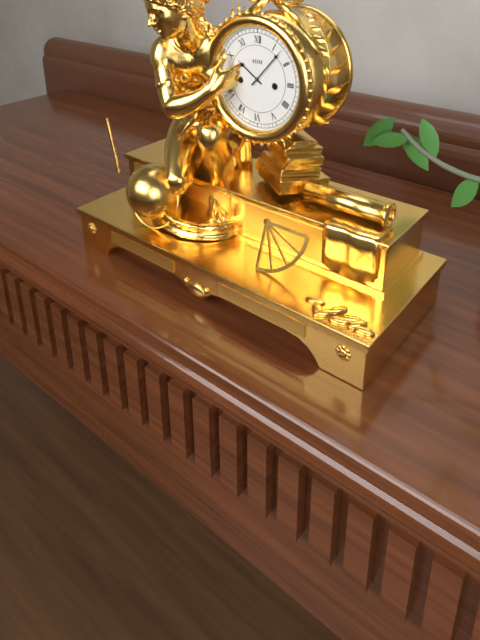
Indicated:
10.07
